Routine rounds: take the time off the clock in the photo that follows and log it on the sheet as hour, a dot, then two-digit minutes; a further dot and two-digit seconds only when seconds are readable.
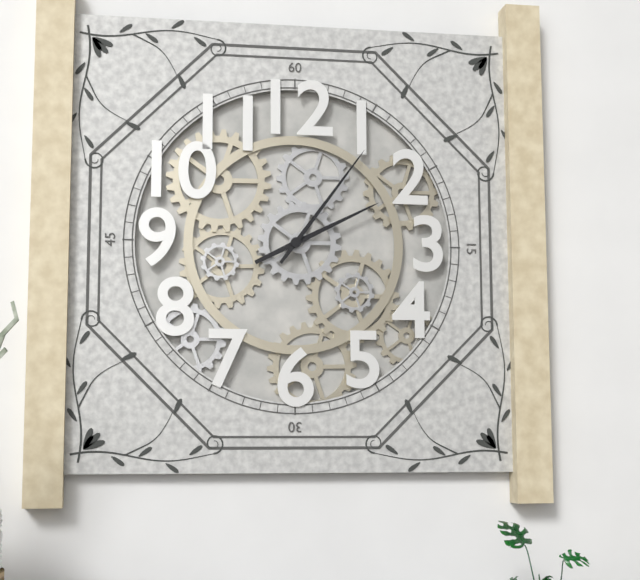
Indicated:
2.06
